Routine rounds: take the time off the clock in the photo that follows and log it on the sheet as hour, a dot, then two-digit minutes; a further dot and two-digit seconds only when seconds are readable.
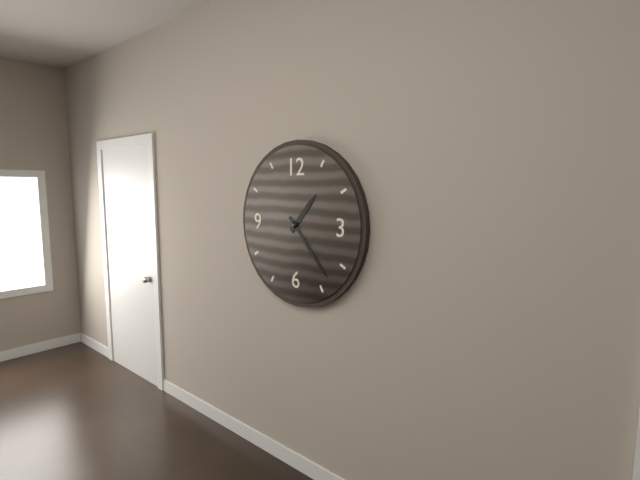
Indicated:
1.23
